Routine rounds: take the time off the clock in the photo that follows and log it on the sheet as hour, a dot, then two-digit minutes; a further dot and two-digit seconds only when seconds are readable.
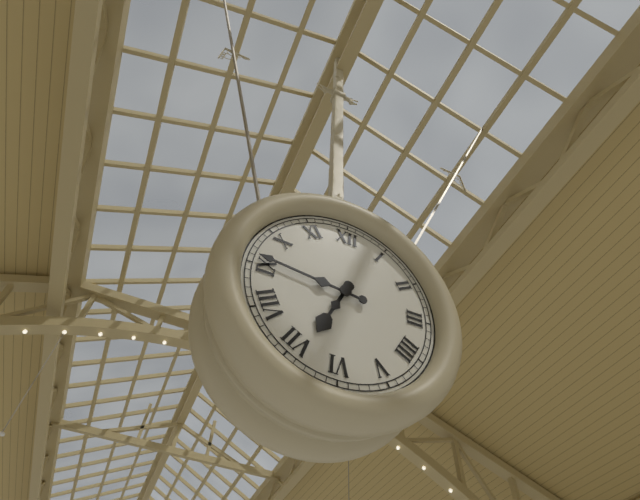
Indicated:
6.46
